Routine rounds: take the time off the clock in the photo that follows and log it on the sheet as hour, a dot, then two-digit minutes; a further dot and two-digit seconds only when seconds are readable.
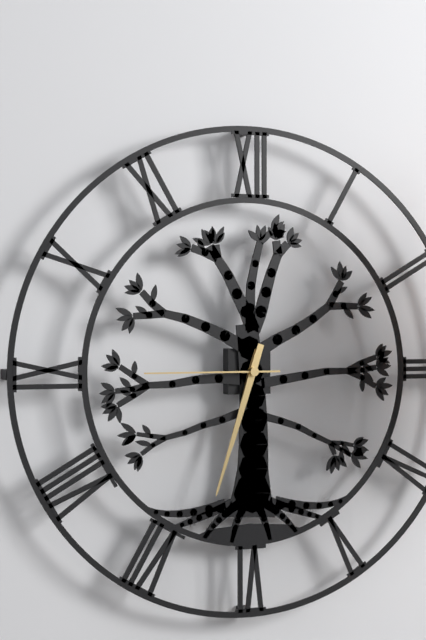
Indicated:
6.33.45
